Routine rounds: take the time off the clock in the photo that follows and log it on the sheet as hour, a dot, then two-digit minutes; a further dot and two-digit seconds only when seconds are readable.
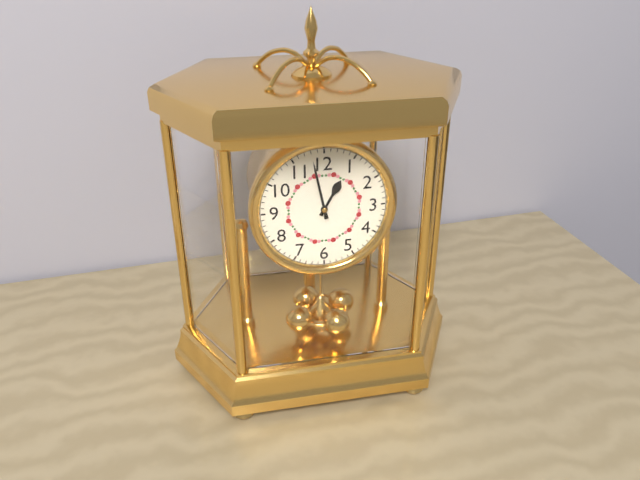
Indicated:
12.58
